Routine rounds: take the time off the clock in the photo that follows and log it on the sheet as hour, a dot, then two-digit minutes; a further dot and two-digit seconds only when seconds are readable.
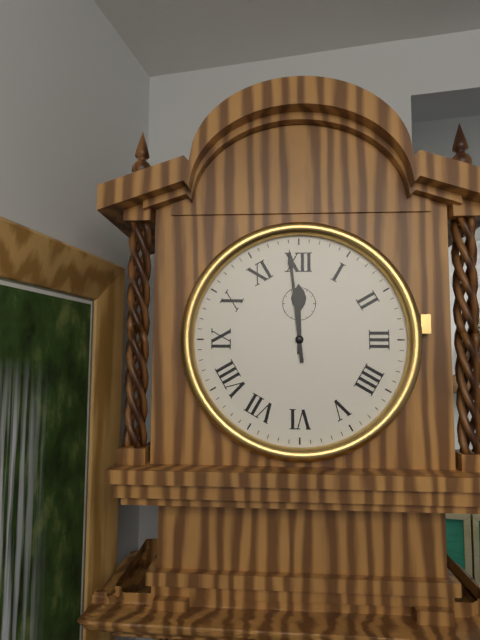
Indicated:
11.59
